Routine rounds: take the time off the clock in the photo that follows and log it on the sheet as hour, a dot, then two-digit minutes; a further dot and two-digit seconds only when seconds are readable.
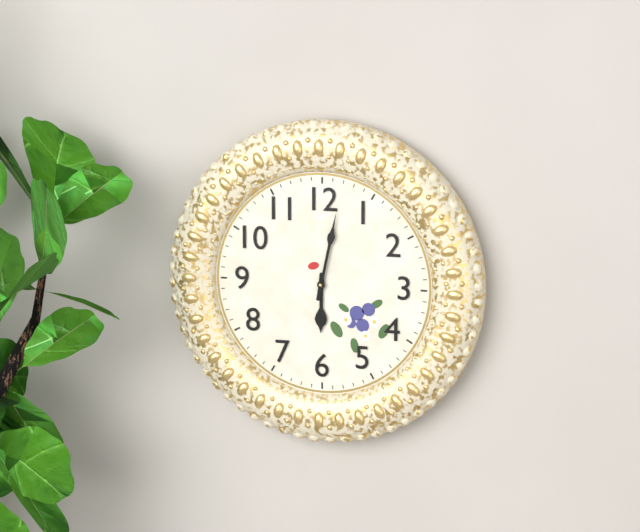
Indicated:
6.02
